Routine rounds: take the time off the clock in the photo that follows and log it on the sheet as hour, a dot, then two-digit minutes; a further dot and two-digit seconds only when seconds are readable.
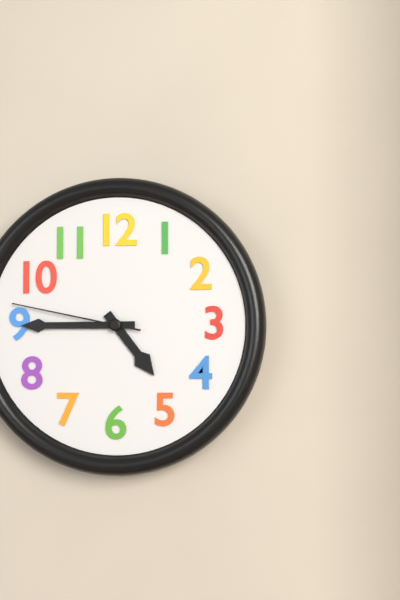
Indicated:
4.45.47
